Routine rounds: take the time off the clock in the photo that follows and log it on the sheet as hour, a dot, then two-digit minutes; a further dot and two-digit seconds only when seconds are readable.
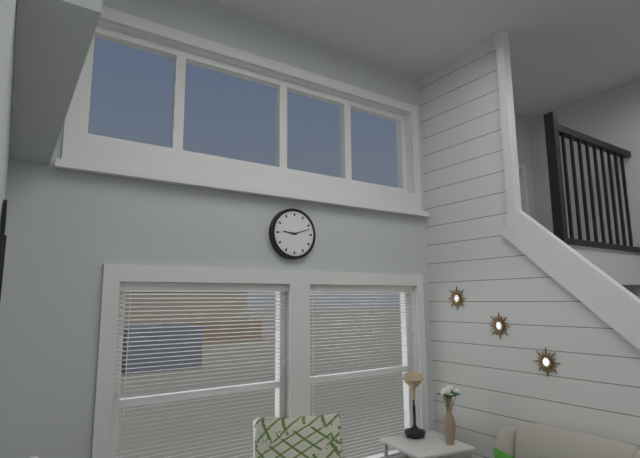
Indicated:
9.12
